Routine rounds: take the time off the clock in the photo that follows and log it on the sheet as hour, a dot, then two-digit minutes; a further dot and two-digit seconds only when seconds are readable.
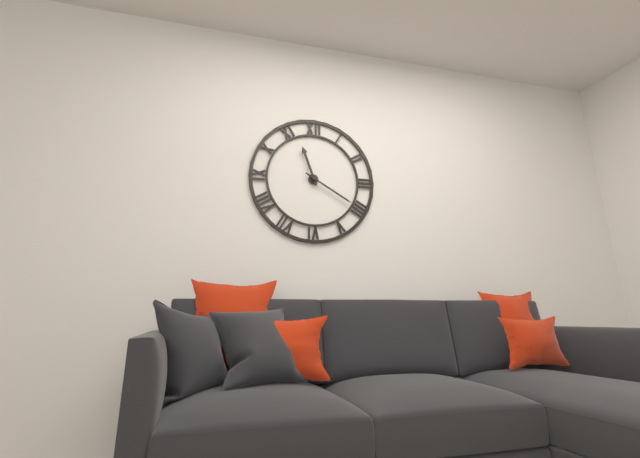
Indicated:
11.20
